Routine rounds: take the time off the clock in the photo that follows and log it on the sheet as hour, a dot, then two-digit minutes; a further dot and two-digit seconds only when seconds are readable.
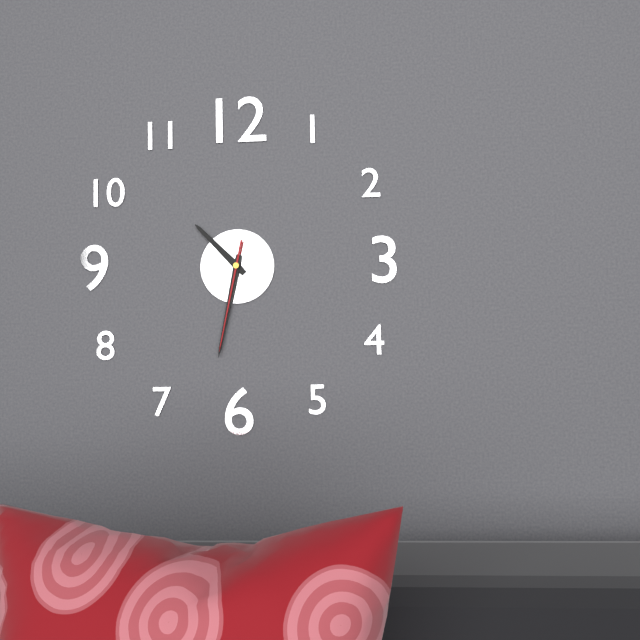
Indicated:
10.32.32
